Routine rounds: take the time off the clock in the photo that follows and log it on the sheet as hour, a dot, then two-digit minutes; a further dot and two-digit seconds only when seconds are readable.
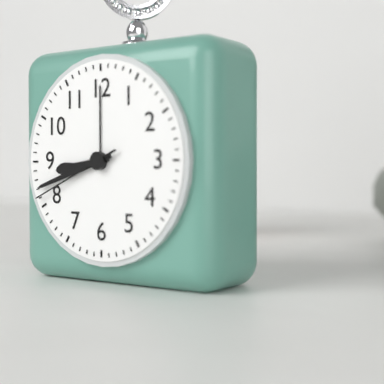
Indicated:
8.42.41
